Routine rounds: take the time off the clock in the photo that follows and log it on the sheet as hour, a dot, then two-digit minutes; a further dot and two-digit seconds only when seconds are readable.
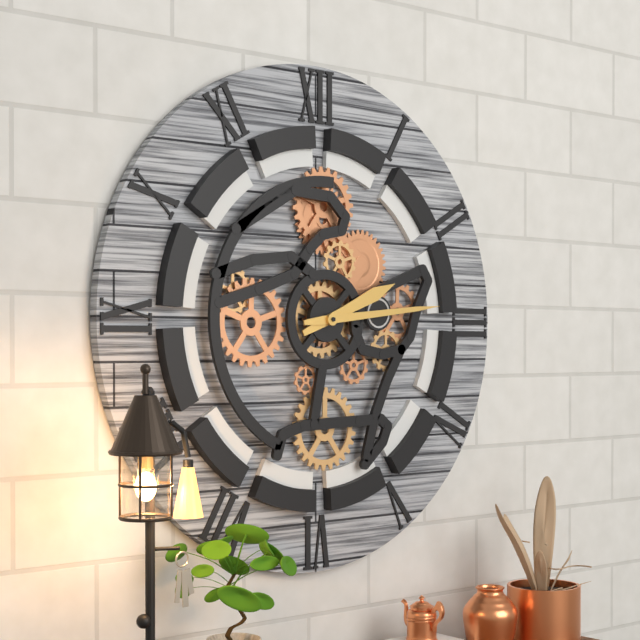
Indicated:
2.14
